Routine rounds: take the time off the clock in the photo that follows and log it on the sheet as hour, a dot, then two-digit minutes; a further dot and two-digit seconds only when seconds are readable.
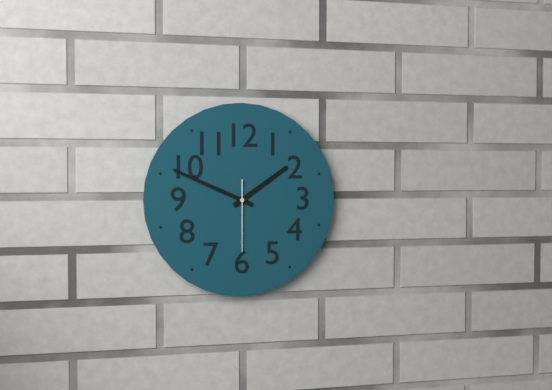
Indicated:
1.49.30
